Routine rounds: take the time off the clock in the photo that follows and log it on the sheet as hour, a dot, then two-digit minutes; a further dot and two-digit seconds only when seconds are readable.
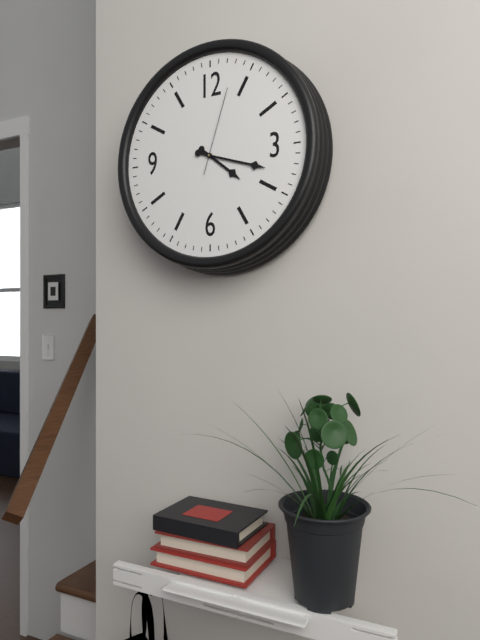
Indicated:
4.18.03
